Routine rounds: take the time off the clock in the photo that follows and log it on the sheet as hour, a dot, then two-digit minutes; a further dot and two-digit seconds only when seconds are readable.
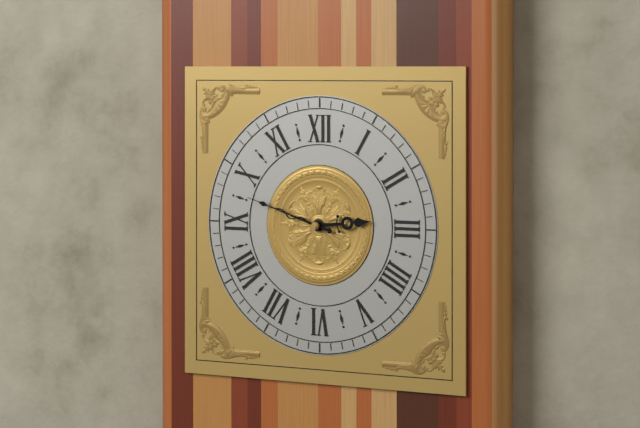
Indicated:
2.48
